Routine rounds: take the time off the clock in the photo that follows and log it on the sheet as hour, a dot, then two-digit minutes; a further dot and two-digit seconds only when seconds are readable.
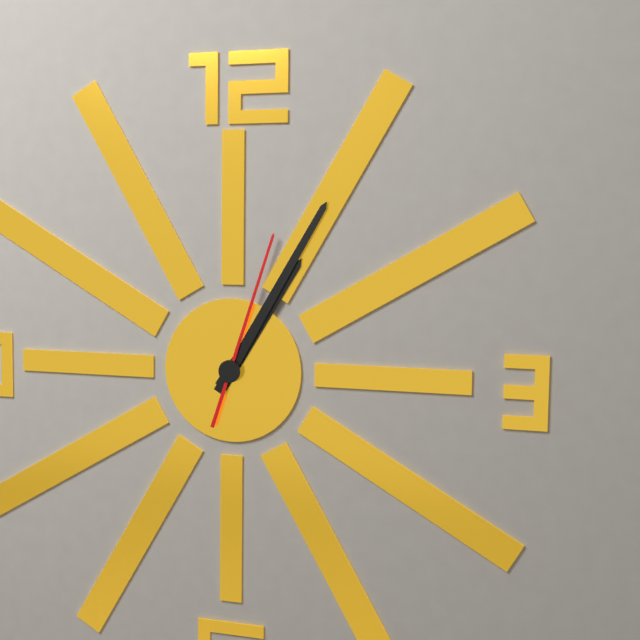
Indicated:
1.05.03
